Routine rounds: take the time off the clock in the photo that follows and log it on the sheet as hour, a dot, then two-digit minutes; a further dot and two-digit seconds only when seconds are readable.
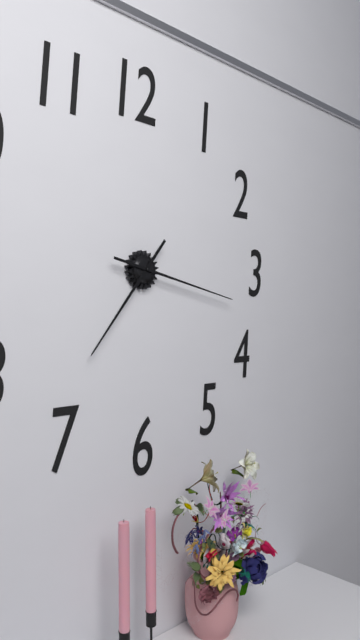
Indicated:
7.17
